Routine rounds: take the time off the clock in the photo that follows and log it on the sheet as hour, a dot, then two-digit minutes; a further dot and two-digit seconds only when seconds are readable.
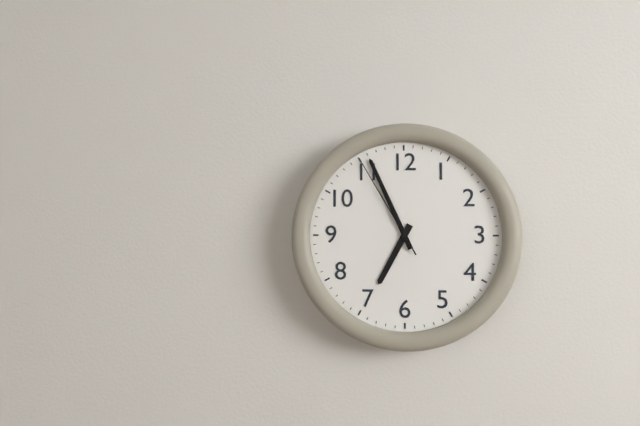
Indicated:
6.56.55
